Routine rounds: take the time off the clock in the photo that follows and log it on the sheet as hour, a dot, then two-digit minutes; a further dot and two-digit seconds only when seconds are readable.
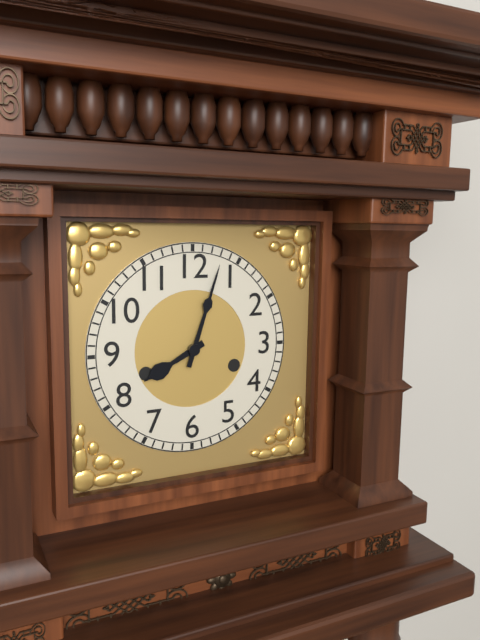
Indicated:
8.03
